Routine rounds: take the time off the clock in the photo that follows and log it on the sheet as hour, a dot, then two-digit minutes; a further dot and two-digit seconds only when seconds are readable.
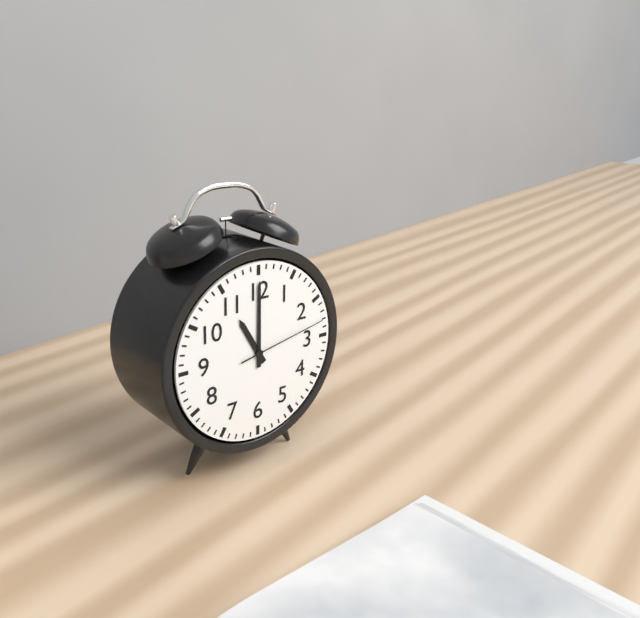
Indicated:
11.00.13
